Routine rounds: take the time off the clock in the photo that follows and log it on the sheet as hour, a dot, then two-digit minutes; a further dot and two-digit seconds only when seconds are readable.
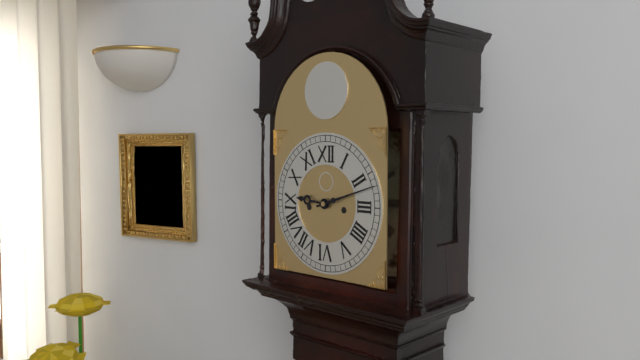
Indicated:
9.12
